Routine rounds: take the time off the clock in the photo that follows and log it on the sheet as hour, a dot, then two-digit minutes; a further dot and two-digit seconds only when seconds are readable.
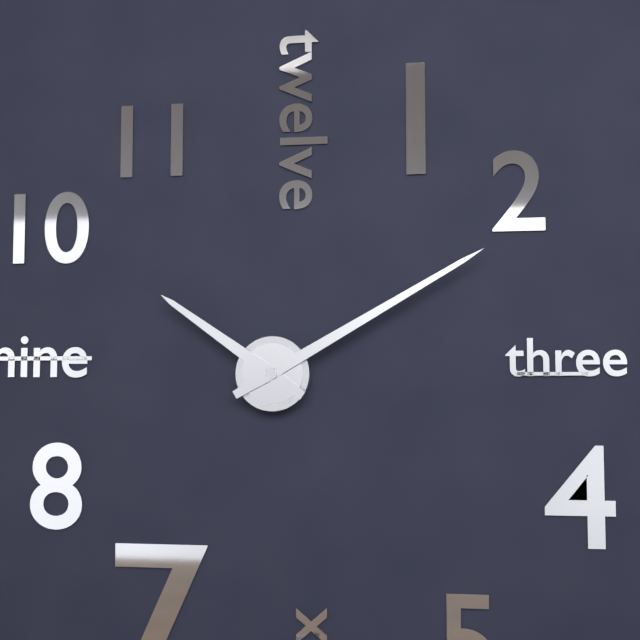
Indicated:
10.10
